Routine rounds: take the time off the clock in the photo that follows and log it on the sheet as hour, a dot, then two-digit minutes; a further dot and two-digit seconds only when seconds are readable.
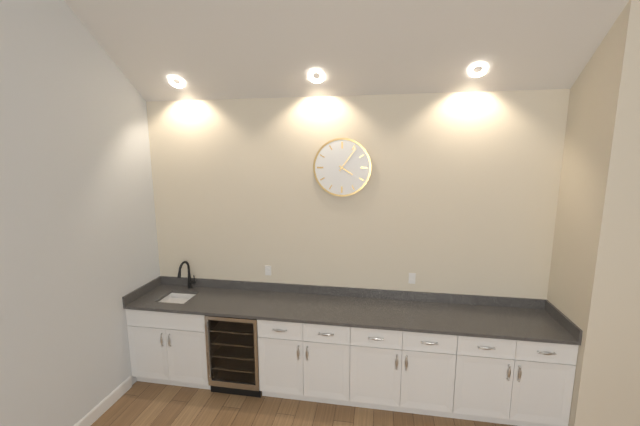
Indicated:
4.06
